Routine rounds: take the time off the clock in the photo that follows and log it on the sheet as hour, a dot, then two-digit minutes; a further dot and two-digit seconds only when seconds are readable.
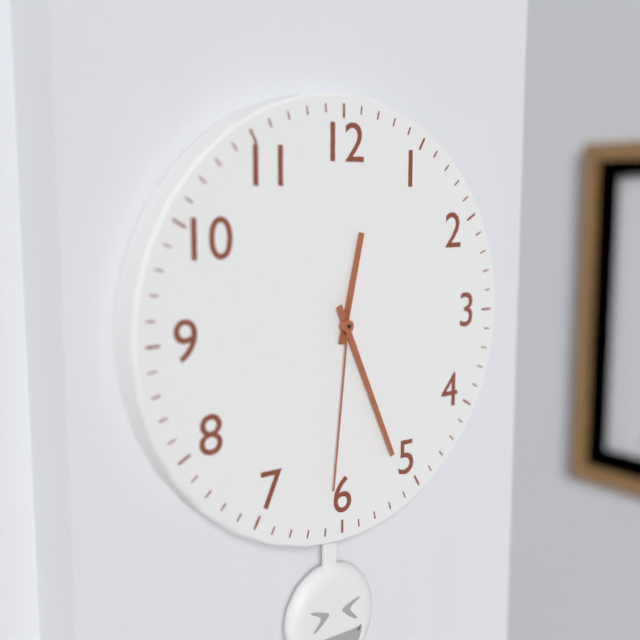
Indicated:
12.26.31
